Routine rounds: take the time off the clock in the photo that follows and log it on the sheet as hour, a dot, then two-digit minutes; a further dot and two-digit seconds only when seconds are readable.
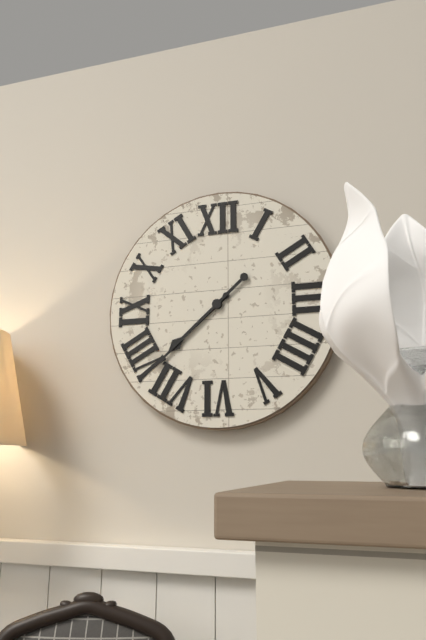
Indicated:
7.38
